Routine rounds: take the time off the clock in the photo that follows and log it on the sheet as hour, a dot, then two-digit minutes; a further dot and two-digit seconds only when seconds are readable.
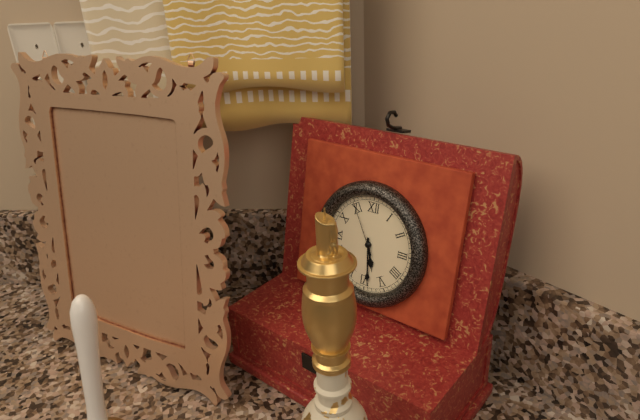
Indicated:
5.29.55
